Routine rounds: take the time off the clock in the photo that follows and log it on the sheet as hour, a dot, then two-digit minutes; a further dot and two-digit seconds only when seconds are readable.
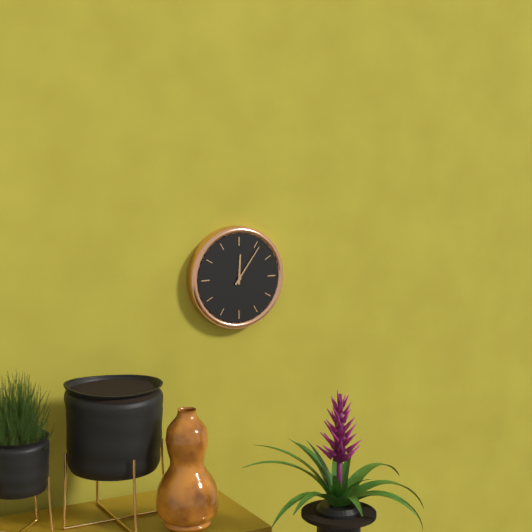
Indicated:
12.06
